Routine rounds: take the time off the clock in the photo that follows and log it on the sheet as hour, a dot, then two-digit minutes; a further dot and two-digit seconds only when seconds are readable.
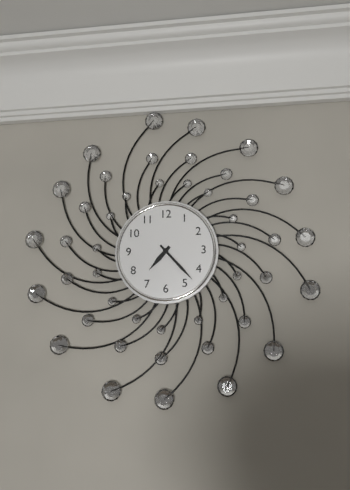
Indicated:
7.23
